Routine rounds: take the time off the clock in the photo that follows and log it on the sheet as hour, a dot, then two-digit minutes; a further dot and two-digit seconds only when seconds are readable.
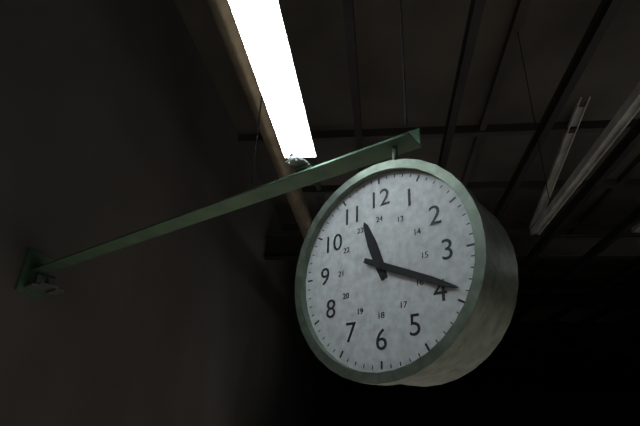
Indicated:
11.19
